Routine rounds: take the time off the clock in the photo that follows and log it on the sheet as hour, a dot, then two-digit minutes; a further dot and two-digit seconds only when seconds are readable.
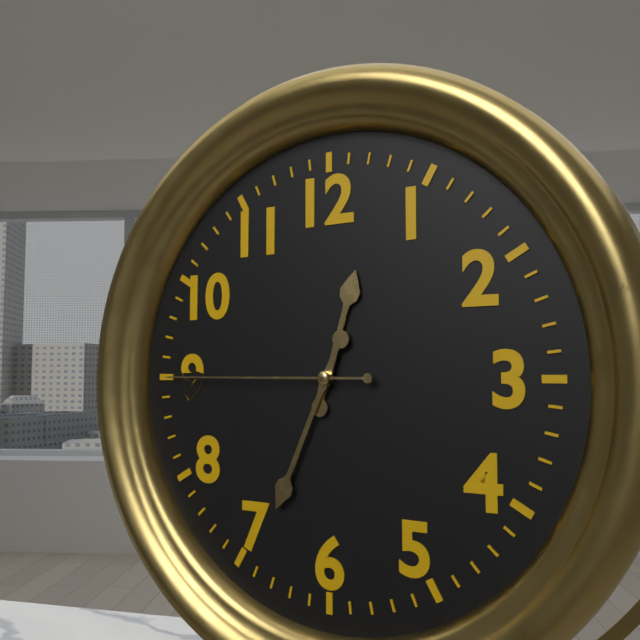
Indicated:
12.34.45
